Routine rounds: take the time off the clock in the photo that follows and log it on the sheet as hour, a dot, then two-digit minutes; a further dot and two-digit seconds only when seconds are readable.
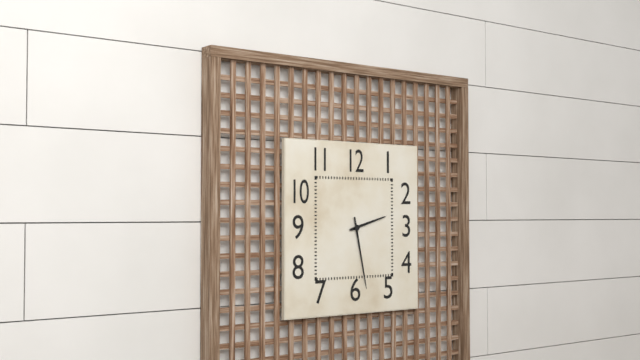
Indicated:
2.28
